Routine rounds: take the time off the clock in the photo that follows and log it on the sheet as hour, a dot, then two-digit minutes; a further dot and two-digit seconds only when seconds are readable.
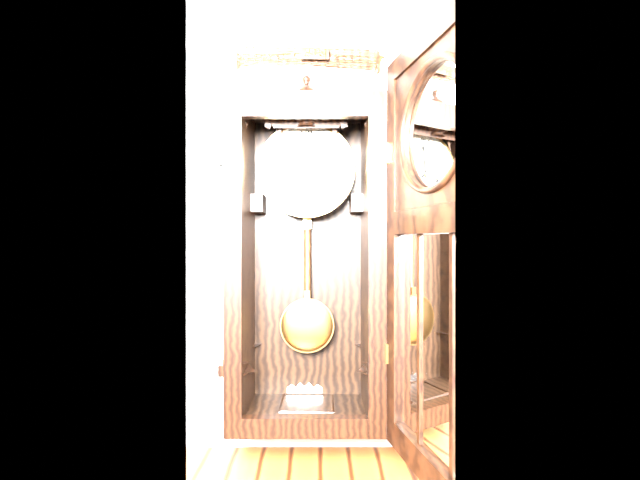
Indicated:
4.01
